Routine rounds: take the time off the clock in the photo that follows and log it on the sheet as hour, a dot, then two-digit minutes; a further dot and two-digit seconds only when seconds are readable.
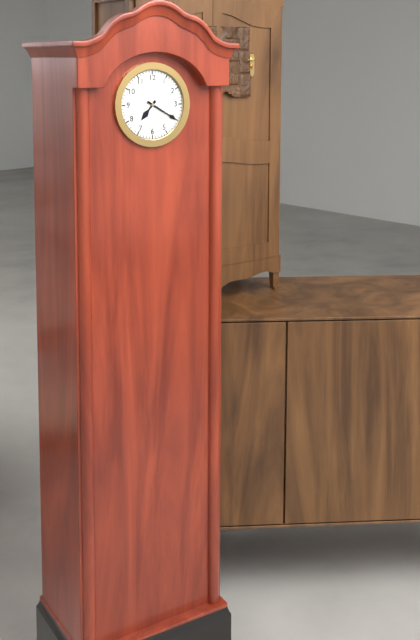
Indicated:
7.20
